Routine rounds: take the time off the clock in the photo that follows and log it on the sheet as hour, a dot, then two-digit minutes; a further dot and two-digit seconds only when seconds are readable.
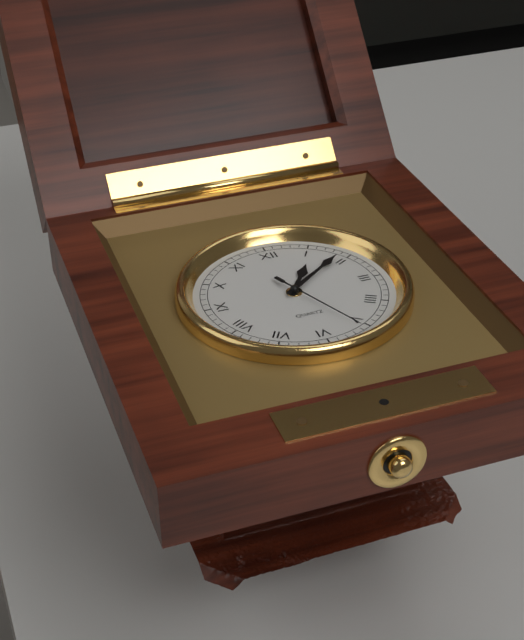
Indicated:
1.09.26
